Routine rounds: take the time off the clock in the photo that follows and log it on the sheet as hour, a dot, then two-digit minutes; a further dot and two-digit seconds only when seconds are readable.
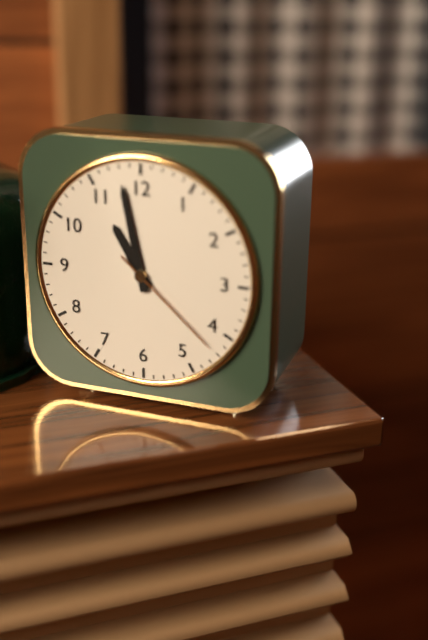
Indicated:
10.58.22
